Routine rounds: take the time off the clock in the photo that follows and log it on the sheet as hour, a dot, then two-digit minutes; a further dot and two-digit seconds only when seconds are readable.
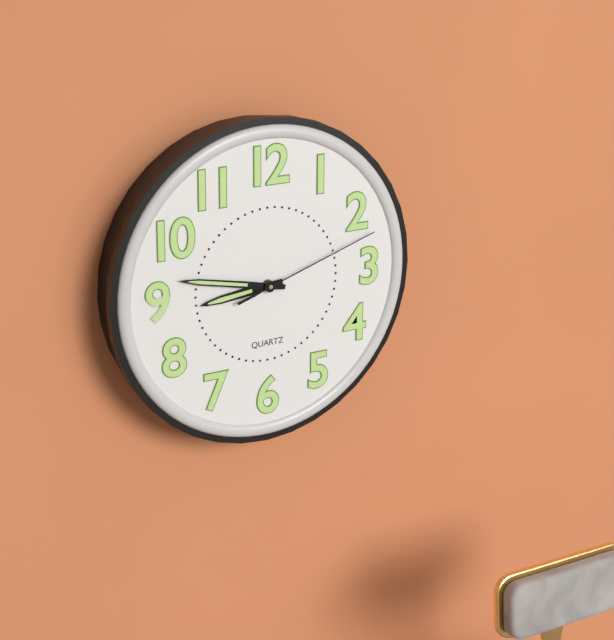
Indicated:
8.47.12
